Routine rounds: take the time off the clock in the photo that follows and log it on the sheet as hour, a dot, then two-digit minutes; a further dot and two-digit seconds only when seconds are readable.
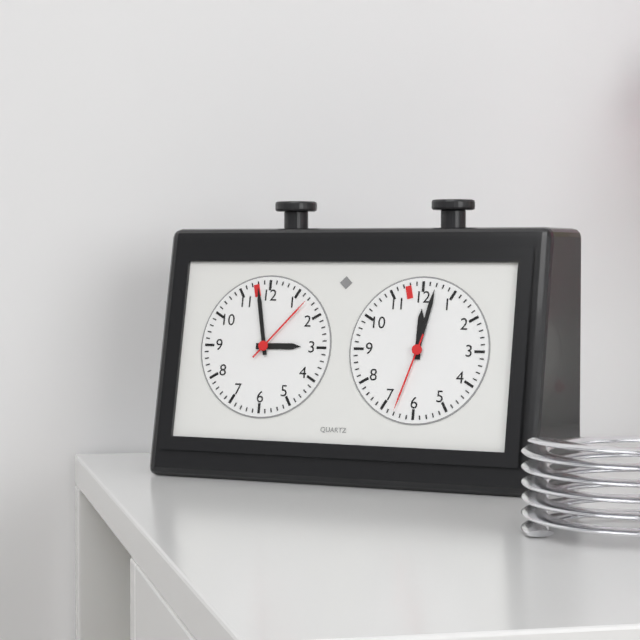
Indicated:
2.58.07
